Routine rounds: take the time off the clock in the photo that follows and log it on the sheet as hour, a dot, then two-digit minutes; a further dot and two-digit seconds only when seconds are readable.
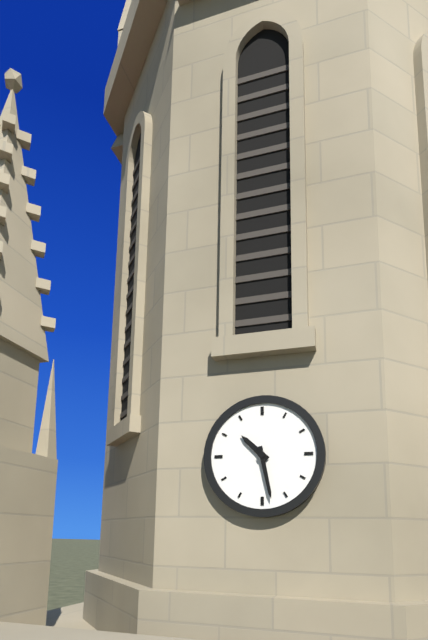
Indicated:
10.28
